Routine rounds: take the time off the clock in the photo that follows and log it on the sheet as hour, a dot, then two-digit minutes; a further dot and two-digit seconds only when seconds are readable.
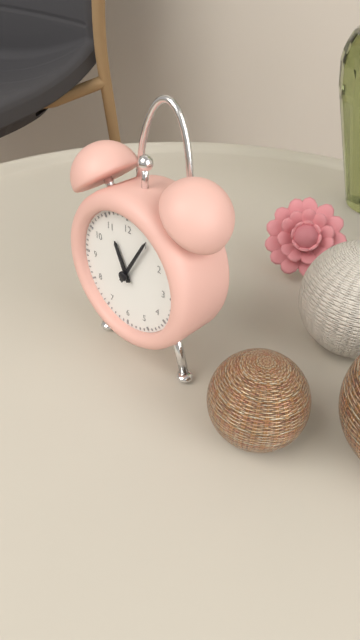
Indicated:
11.05
